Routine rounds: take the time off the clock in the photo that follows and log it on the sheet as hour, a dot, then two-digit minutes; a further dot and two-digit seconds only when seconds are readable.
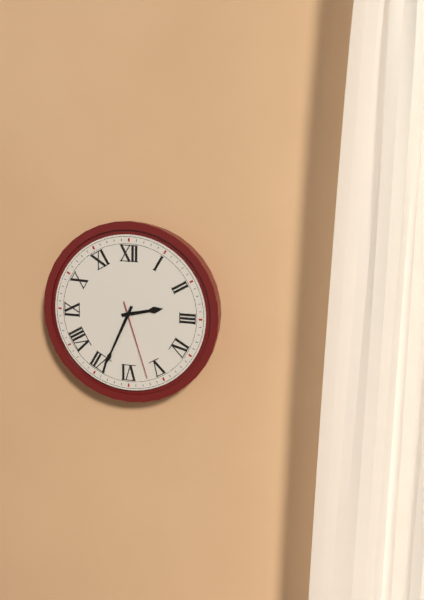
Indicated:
2.34.27
